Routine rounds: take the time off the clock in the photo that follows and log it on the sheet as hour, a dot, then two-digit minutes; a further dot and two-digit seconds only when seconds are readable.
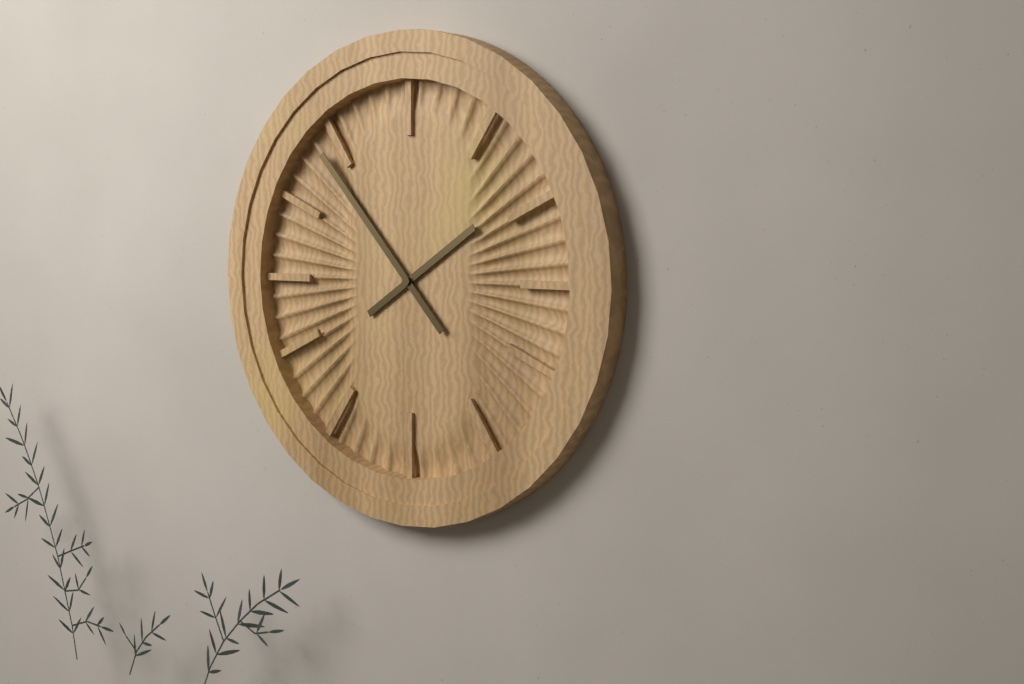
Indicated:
1.53
